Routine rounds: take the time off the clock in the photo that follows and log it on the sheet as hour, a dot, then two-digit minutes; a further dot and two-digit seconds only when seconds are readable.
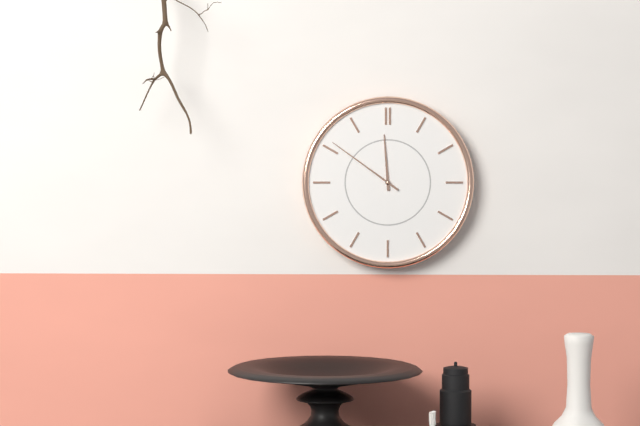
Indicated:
11.51
